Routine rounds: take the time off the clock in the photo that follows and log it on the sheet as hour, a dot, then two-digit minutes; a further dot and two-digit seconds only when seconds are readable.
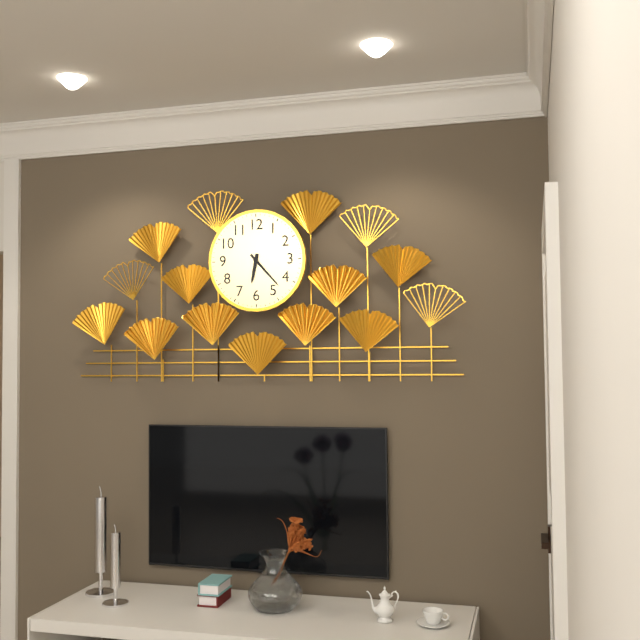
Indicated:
6.23
